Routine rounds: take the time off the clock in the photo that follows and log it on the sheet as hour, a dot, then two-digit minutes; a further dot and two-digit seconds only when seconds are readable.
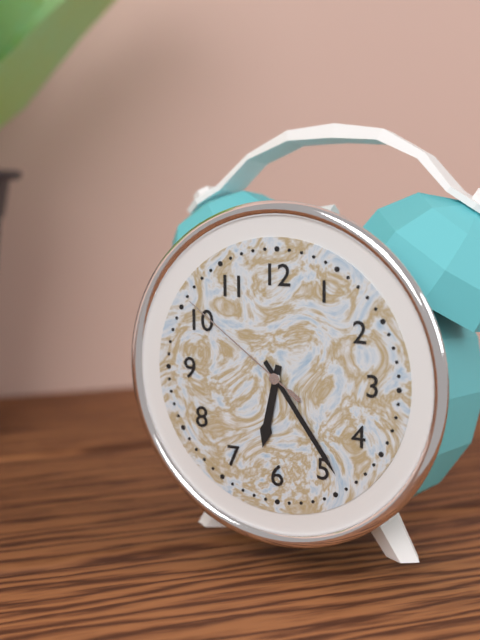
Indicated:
6.24.51
